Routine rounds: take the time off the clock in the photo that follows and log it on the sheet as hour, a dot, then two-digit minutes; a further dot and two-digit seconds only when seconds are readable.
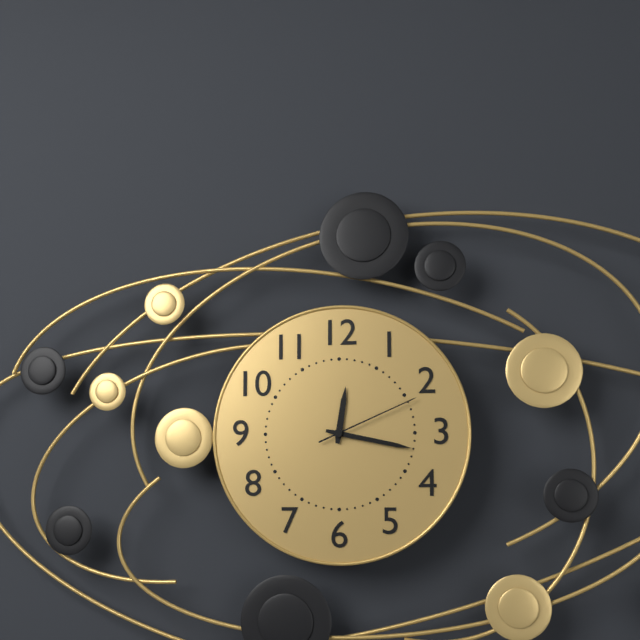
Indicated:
12.17.11
